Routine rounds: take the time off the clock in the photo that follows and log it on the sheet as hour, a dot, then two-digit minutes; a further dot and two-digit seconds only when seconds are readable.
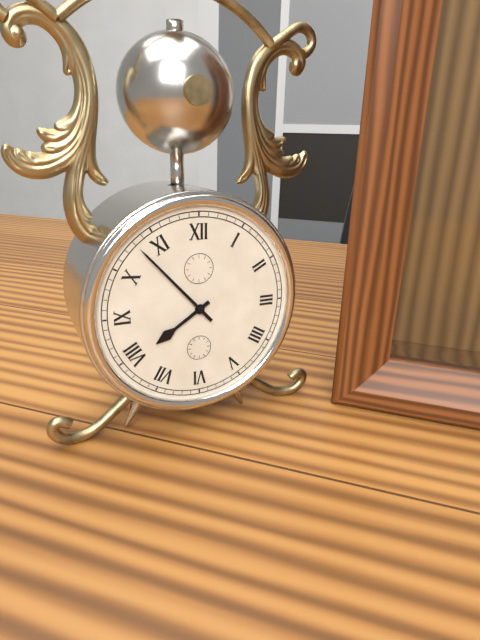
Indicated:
7.53
